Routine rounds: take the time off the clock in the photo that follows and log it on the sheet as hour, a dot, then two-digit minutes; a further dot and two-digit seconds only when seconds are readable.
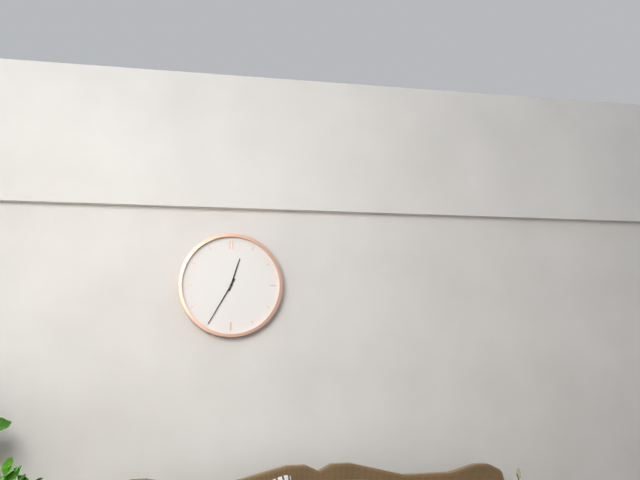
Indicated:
12.35
